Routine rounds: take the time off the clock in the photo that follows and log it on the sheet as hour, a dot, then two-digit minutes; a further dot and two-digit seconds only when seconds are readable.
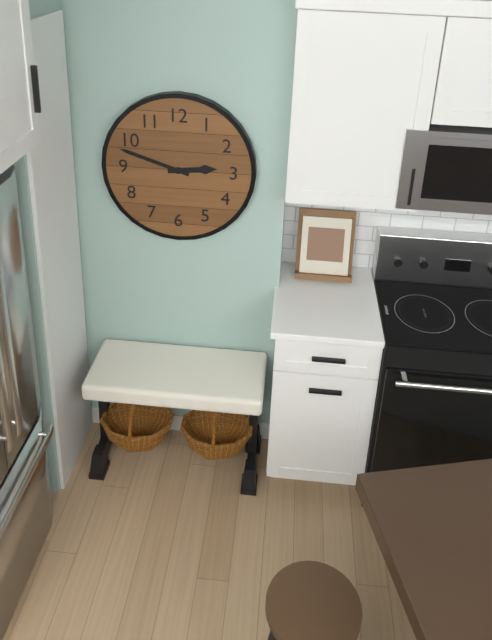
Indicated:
2.48
